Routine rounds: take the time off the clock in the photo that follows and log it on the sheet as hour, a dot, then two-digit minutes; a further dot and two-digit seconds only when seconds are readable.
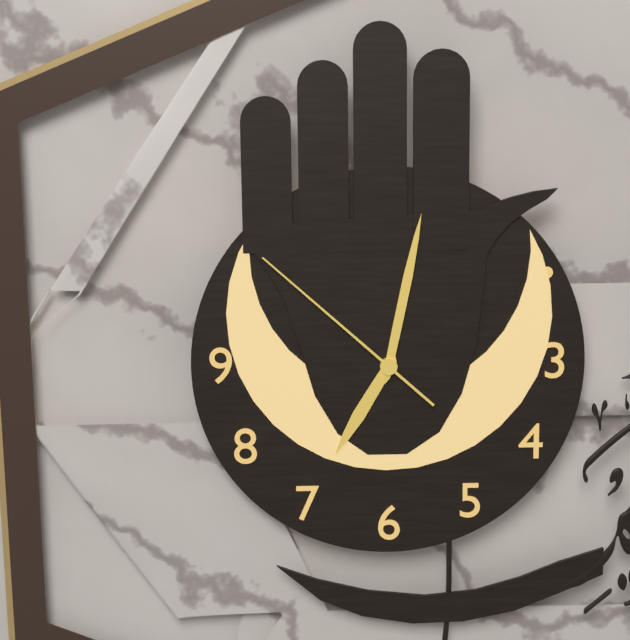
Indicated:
7.02.52
